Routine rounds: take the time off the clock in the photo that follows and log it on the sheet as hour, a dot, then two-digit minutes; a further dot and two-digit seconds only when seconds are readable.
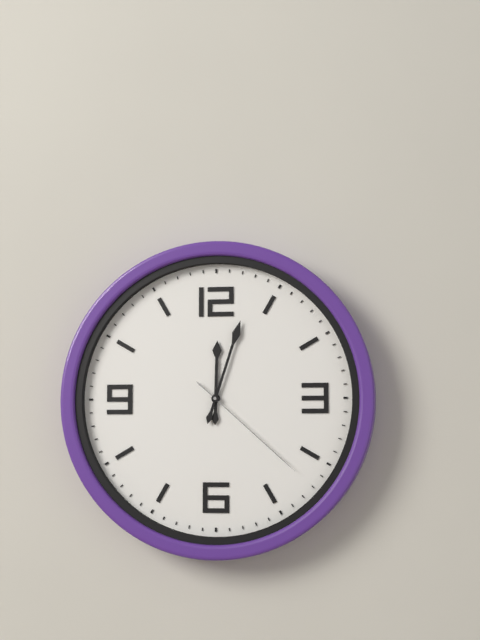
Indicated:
12.03.22
